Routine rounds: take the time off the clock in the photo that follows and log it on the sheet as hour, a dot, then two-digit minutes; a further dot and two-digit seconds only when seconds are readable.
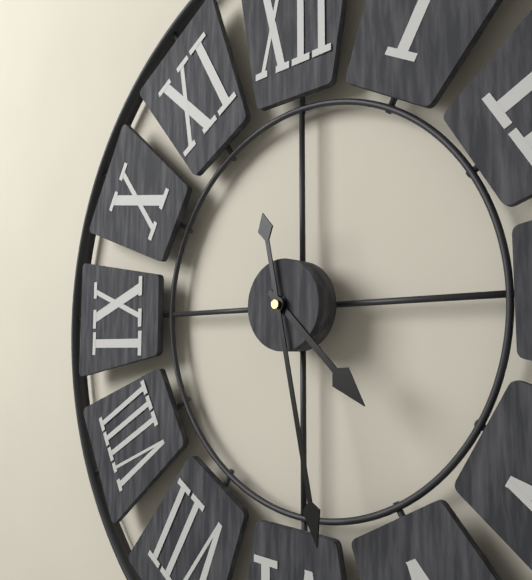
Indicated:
4.28
